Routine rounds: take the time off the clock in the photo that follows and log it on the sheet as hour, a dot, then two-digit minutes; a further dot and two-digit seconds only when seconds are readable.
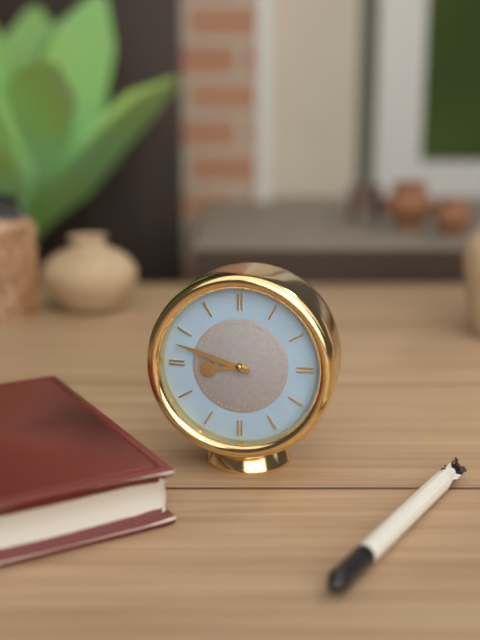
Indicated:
8.48
